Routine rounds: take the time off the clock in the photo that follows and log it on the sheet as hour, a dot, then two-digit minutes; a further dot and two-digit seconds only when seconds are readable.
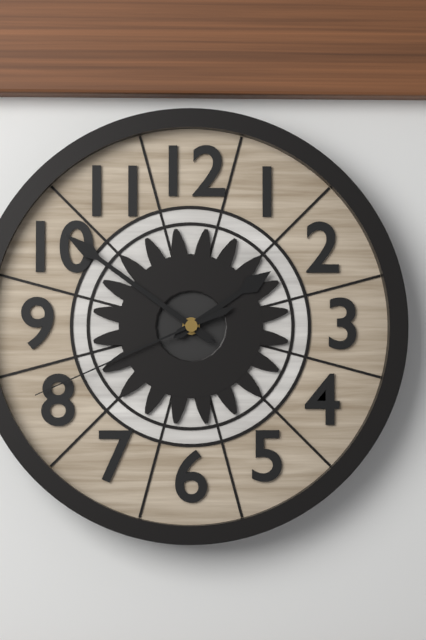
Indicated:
1.51.41
